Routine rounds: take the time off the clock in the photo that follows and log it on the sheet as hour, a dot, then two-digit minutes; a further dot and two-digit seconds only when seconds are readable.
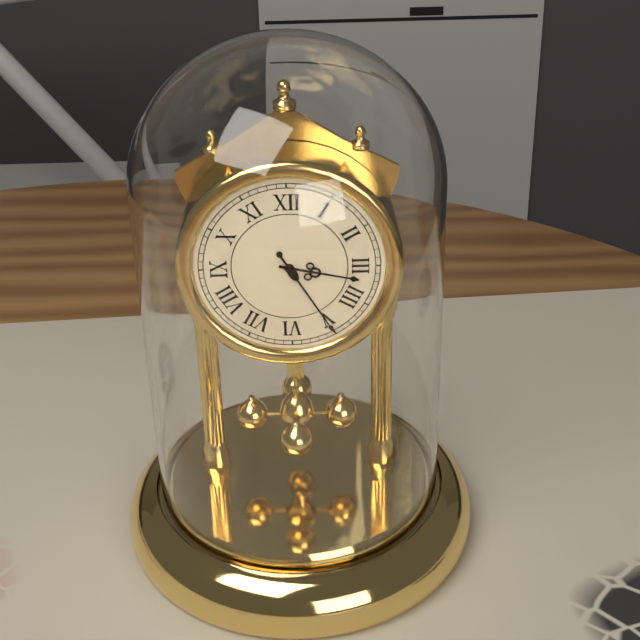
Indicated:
3.25
